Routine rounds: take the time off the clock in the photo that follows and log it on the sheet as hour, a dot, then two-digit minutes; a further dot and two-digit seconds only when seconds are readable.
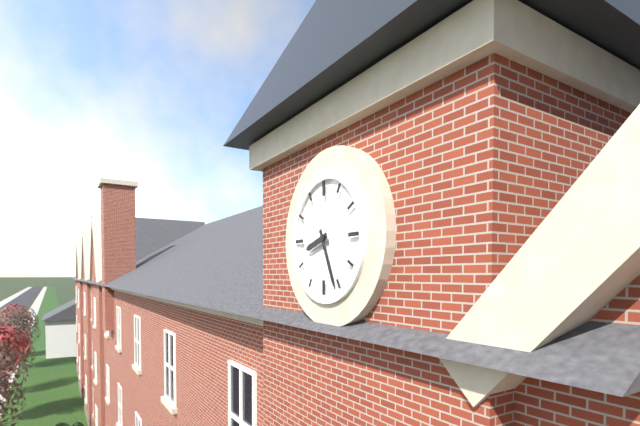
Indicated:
8.26
